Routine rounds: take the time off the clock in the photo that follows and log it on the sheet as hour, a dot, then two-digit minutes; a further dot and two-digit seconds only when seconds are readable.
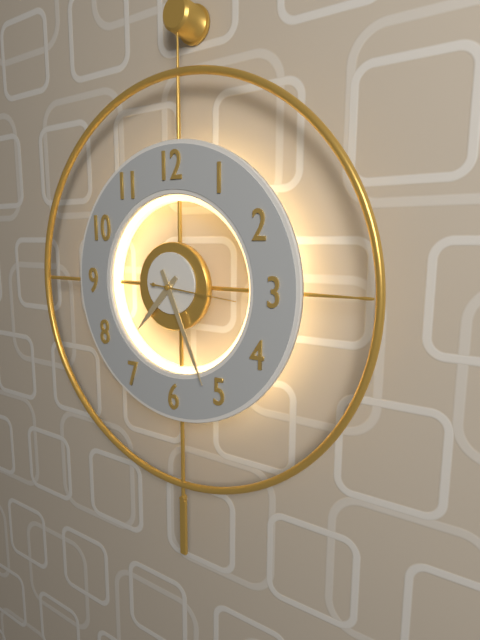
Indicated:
7.26.16
